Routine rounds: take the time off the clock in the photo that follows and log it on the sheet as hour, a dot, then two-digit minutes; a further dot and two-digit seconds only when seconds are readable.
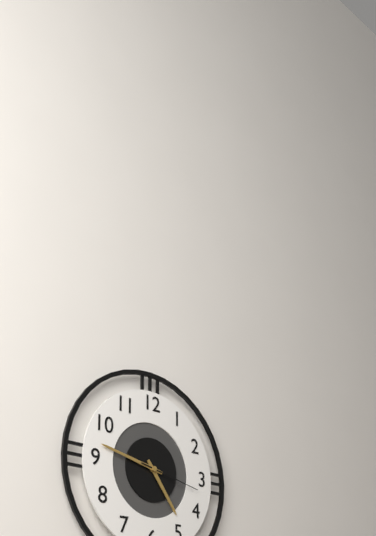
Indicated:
4.47.17
